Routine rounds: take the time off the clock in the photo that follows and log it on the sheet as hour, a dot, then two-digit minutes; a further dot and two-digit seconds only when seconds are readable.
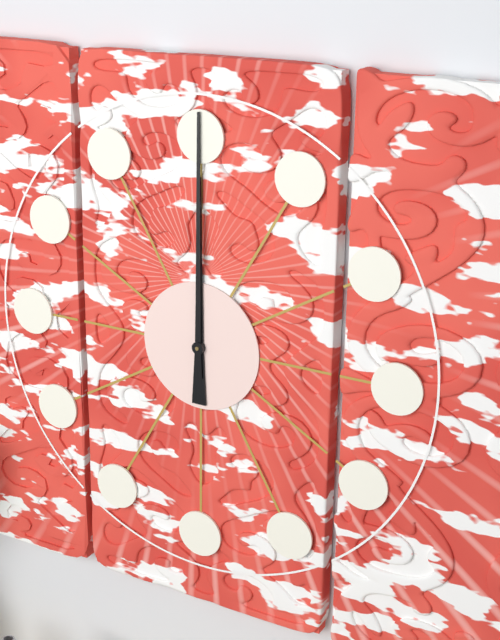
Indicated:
12.00
